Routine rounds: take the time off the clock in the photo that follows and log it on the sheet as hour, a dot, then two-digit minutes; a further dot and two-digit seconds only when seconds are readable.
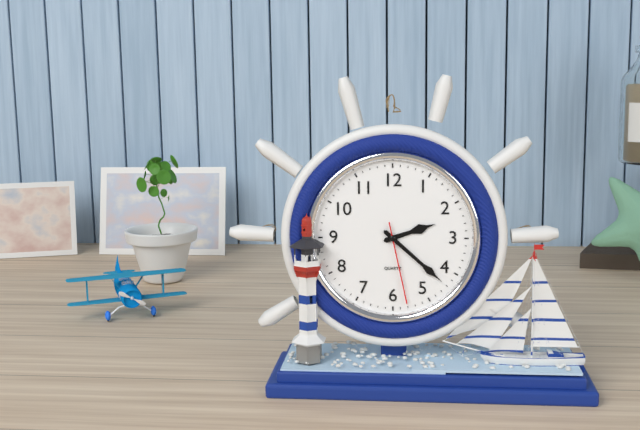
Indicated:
2.22.28
